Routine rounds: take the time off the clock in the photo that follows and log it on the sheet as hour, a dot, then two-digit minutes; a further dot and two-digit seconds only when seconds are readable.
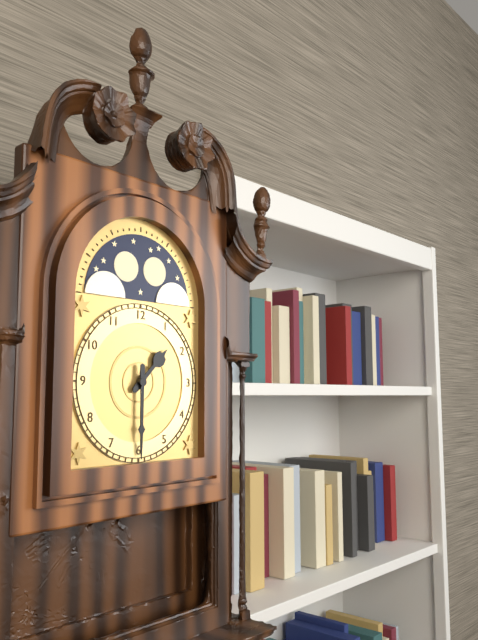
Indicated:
1.30
